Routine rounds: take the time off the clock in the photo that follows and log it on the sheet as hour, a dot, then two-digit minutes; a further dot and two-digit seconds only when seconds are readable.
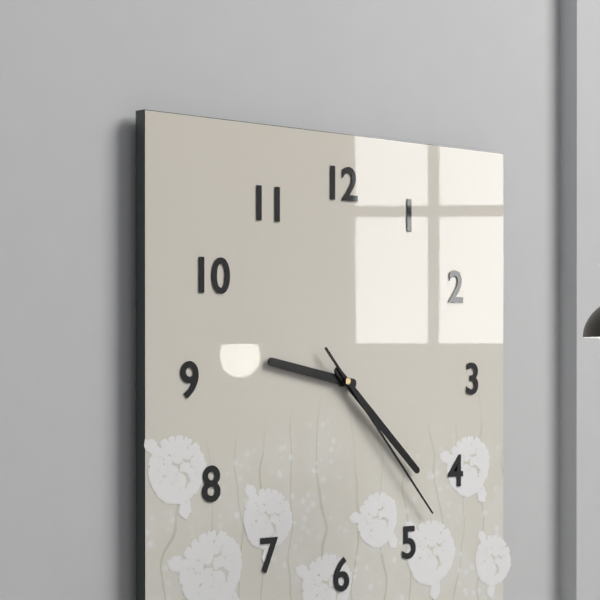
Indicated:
9.22.23
